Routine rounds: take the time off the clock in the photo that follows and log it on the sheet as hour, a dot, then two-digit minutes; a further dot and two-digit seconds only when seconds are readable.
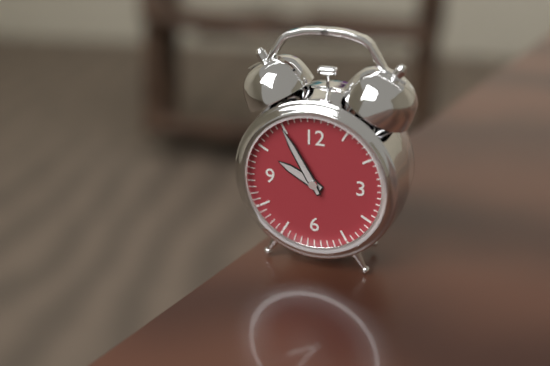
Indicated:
9.55
